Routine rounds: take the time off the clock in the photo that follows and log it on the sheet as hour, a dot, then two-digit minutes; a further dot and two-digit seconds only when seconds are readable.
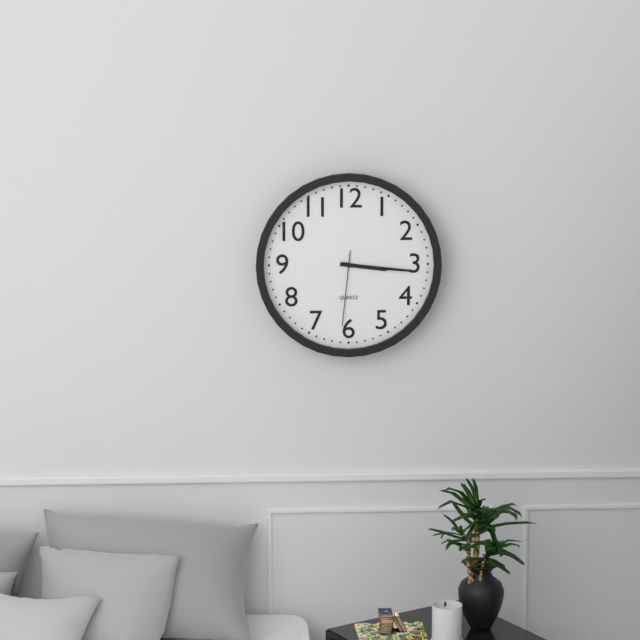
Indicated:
3.16.31
